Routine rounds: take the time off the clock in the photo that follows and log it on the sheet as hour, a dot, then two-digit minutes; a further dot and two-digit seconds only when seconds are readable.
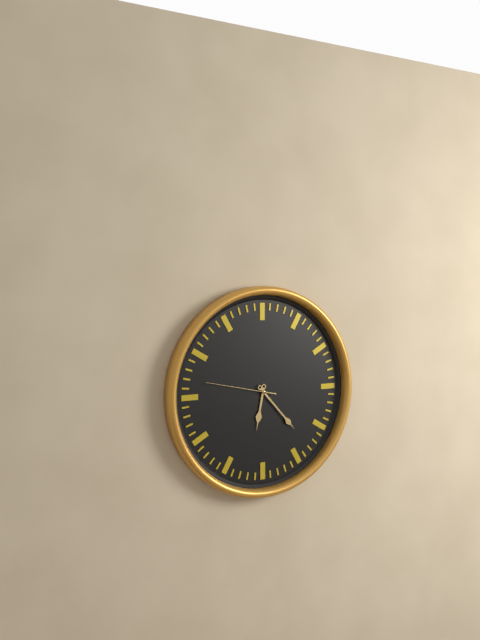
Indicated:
6.23.47
